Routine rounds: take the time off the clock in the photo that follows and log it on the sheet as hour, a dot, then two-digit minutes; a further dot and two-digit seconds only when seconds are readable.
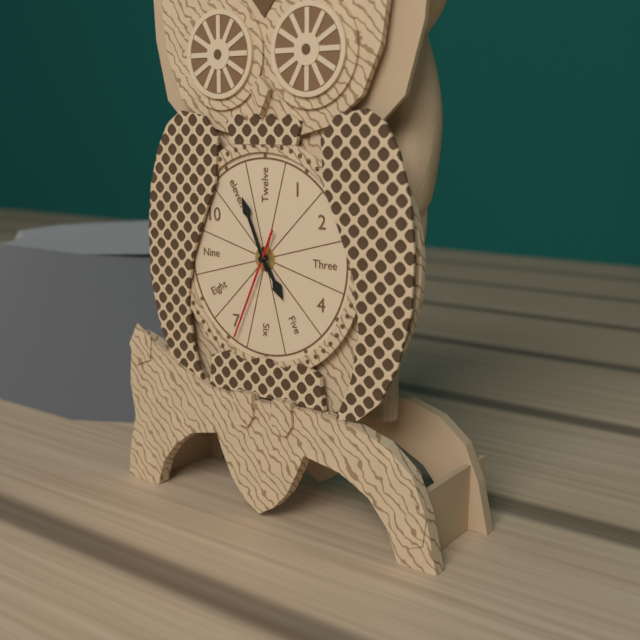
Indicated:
4.56.34
